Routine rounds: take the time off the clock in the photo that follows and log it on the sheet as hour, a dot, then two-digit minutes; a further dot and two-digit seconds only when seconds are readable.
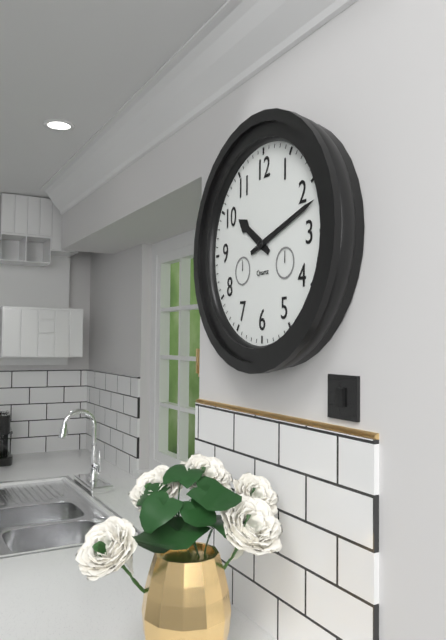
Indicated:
10.12
